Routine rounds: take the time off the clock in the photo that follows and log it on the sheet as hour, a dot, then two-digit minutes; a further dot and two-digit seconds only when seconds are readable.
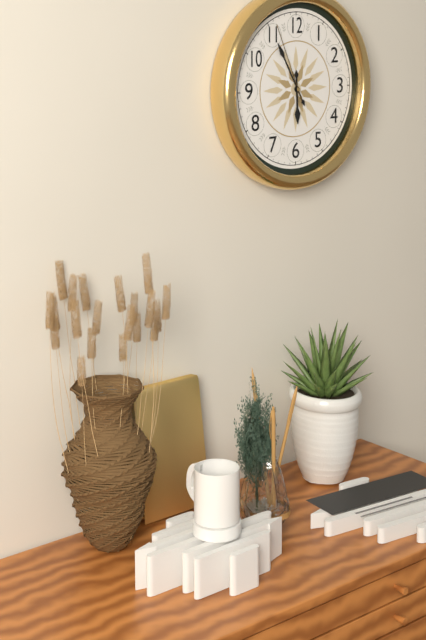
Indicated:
5.55.56
